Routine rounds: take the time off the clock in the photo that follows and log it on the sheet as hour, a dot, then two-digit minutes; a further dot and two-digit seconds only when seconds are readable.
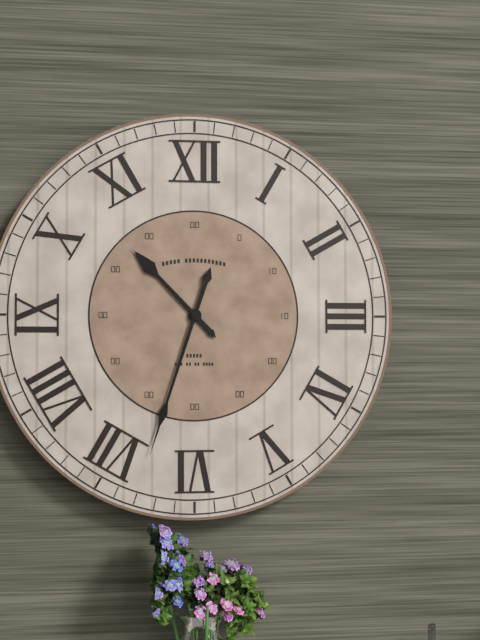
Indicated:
10.33
